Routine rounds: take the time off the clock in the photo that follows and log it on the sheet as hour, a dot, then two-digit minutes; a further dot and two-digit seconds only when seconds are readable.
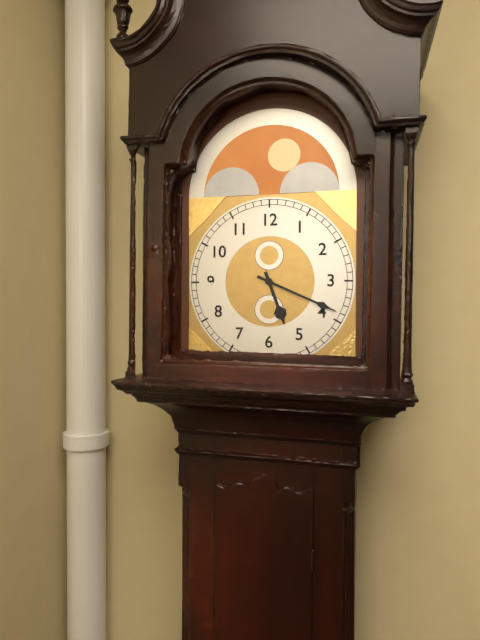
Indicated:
5.19
